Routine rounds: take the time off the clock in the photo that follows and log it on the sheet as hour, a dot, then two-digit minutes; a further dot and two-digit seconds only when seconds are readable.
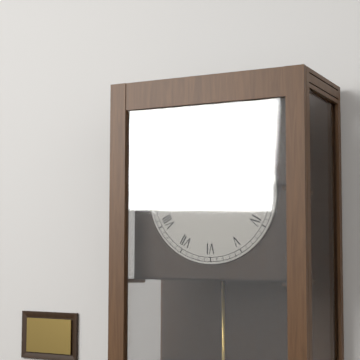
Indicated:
3.16
